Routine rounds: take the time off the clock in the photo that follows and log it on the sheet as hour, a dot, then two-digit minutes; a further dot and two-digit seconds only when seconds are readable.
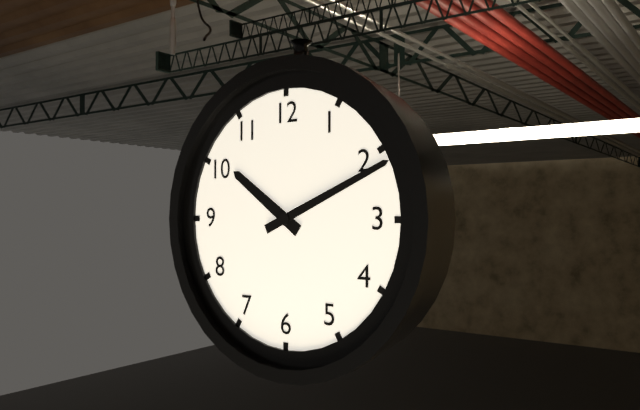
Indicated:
10.11
